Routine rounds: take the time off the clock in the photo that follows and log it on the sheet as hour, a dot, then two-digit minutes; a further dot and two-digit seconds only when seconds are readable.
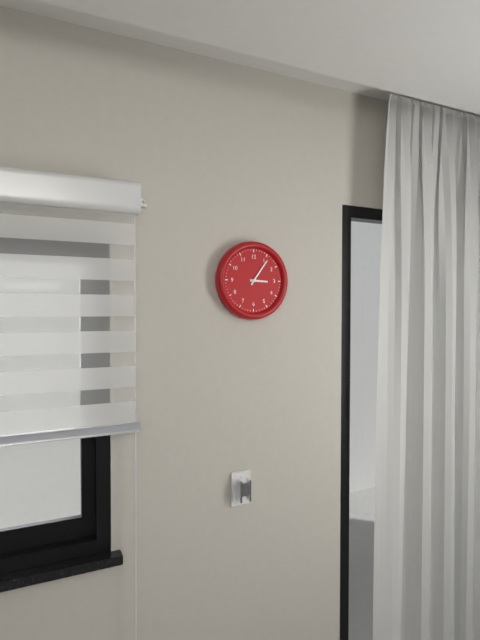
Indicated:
3.06
